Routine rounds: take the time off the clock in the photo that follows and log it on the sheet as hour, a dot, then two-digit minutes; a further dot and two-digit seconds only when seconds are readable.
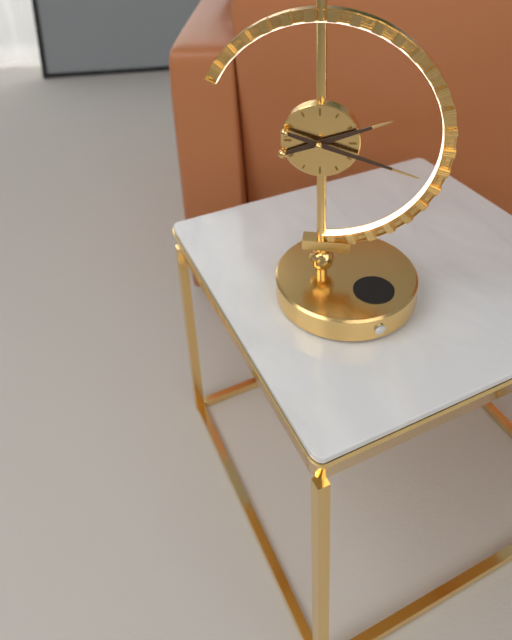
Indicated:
2.18
